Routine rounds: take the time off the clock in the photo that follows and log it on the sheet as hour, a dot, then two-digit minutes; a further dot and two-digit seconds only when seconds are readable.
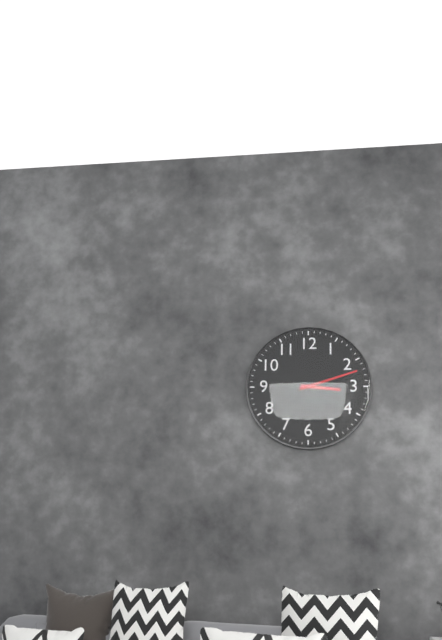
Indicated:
3.12
